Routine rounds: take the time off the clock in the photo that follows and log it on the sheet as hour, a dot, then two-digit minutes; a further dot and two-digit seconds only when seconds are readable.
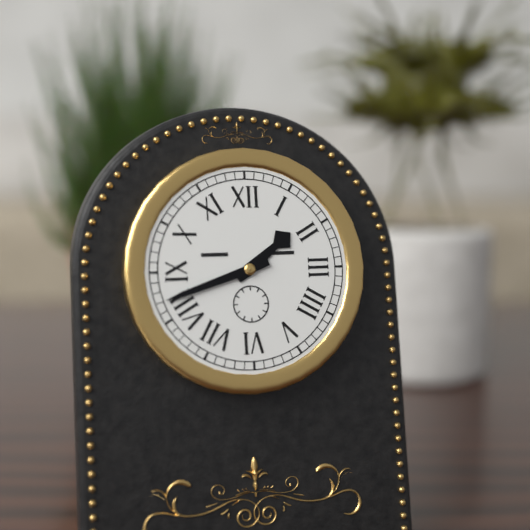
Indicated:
1.42
